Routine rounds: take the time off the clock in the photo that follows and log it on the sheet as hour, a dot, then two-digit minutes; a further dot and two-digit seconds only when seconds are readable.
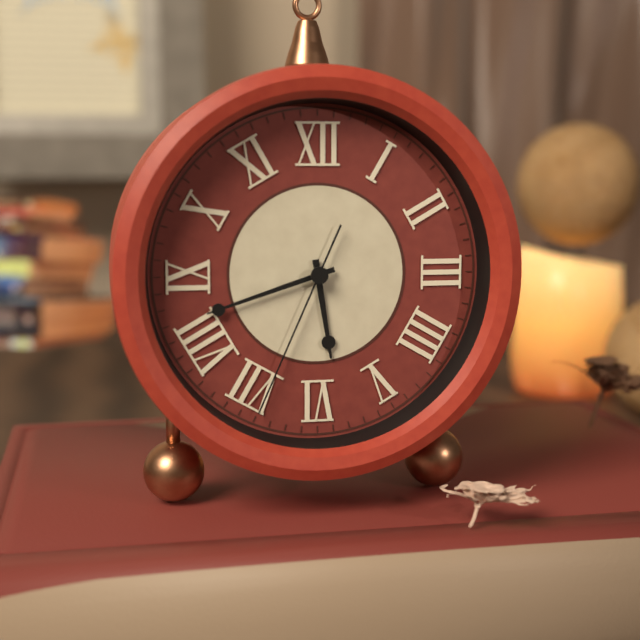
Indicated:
5.42.34
